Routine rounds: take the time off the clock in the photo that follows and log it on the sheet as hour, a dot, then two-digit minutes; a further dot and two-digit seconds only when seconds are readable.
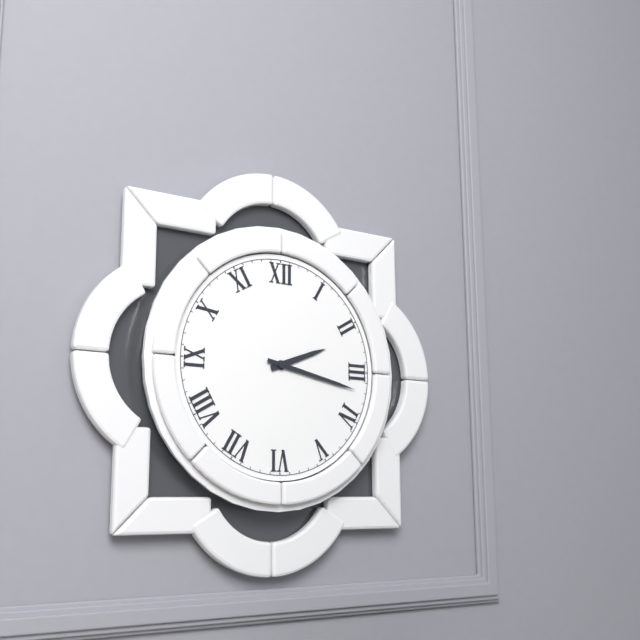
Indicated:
2.17
